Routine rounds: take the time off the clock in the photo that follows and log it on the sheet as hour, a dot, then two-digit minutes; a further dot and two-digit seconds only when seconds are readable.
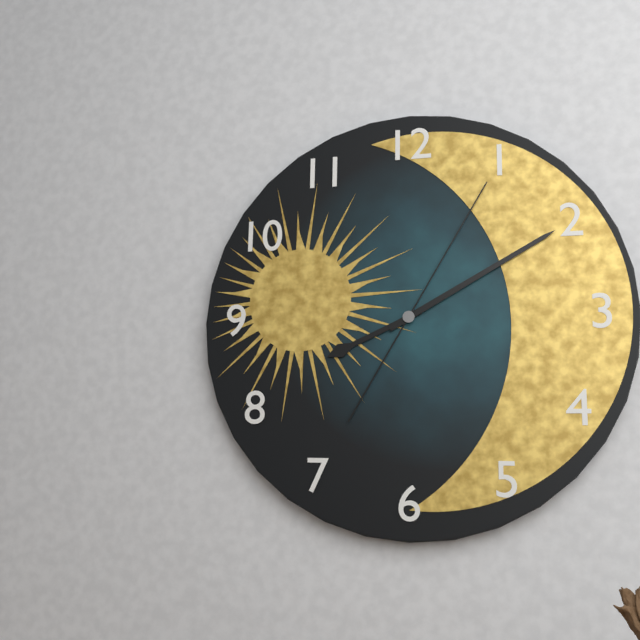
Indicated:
8.10.05
